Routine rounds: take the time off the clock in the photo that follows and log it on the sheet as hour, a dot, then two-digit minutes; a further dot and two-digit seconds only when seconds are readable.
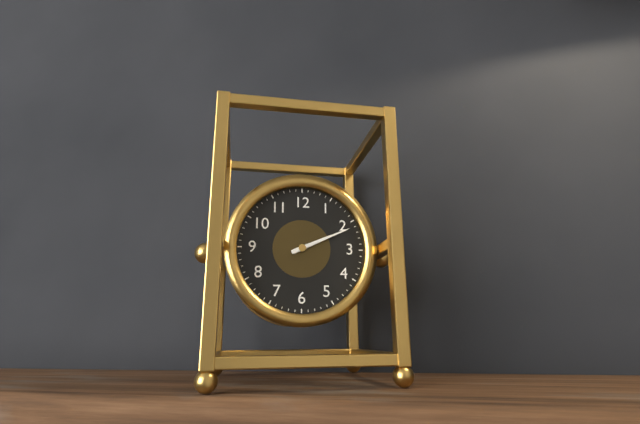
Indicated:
2.11
